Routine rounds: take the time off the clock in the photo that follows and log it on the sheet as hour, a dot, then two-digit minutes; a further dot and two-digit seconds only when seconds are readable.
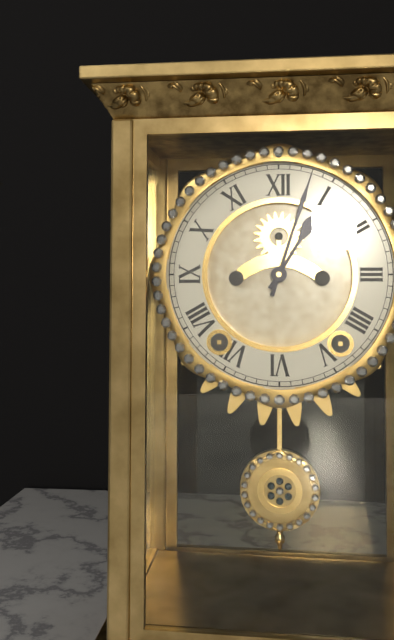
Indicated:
1.03
